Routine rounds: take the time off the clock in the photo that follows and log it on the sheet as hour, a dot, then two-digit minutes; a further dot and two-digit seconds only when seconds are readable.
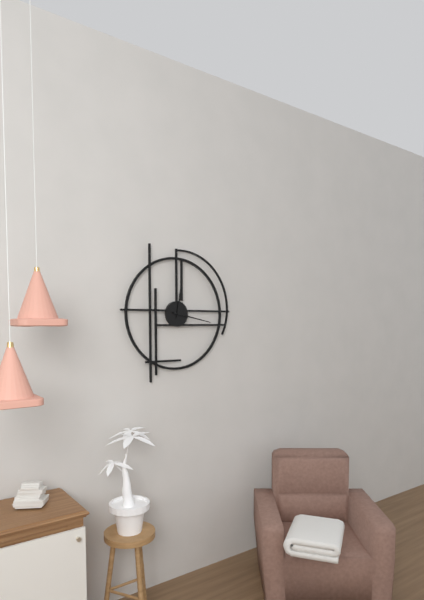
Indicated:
12.17
